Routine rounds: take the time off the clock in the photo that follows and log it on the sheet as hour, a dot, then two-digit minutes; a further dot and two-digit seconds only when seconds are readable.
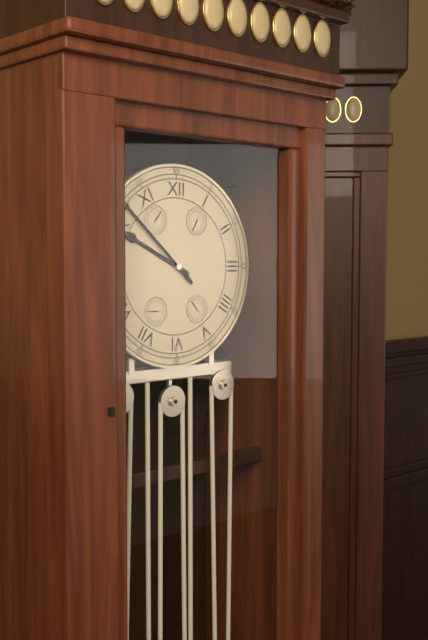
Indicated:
9.52
